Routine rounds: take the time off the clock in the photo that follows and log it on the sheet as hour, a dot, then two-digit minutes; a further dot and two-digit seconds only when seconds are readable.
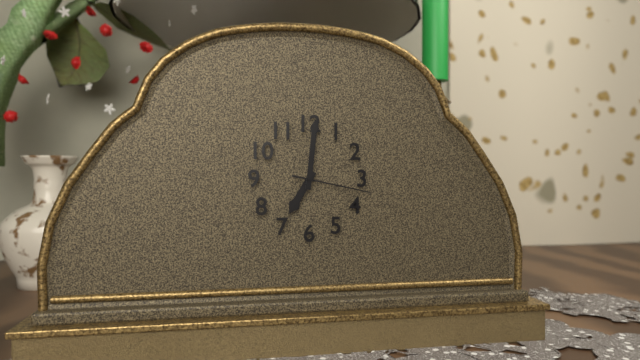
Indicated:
7.01.17
